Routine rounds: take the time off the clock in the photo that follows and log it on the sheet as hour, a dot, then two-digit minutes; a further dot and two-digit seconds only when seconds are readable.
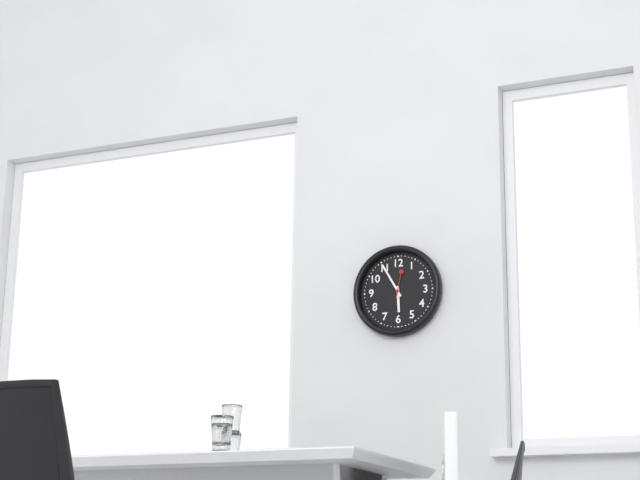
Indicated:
5.55
